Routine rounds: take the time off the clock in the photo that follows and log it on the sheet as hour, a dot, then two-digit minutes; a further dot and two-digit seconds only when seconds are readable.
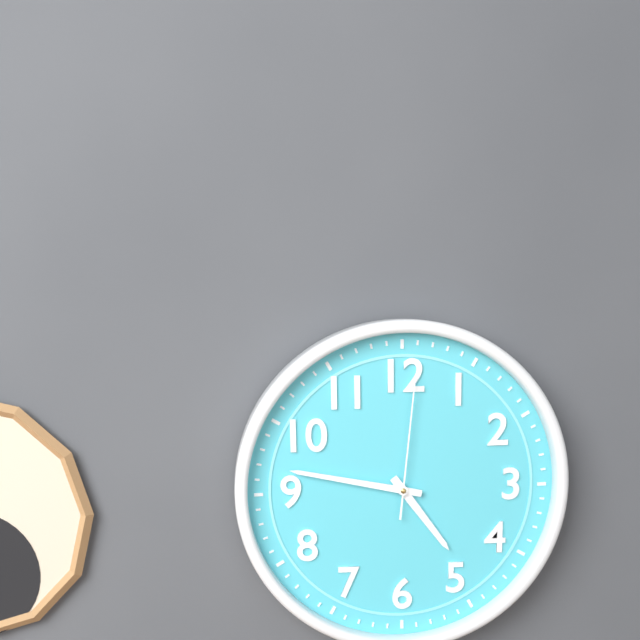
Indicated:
4.47.01
